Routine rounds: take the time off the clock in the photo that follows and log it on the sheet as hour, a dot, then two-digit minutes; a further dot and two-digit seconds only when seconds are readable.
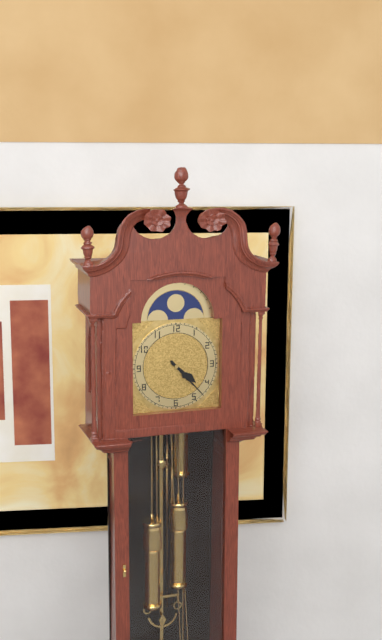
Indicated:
4.23
